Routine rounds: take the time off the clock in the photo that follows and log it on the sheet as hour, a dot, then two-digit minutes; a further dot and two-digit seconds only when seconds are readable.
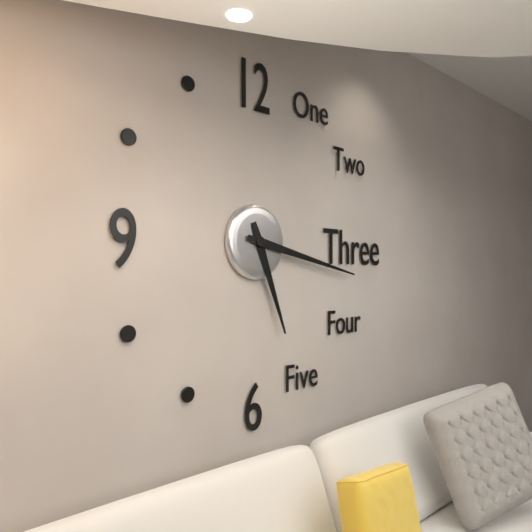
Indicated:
5.17
